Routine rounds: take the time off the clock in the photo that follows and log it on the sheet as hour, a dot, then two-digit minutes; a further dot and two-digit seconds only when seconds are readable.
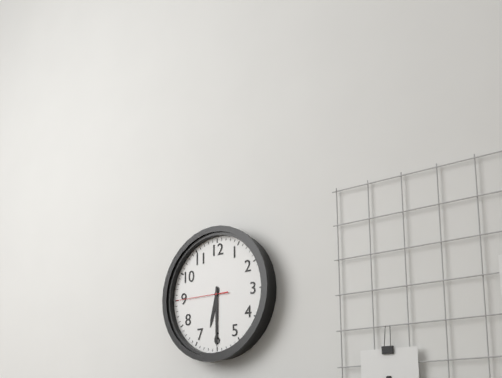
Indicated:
6.30.45
